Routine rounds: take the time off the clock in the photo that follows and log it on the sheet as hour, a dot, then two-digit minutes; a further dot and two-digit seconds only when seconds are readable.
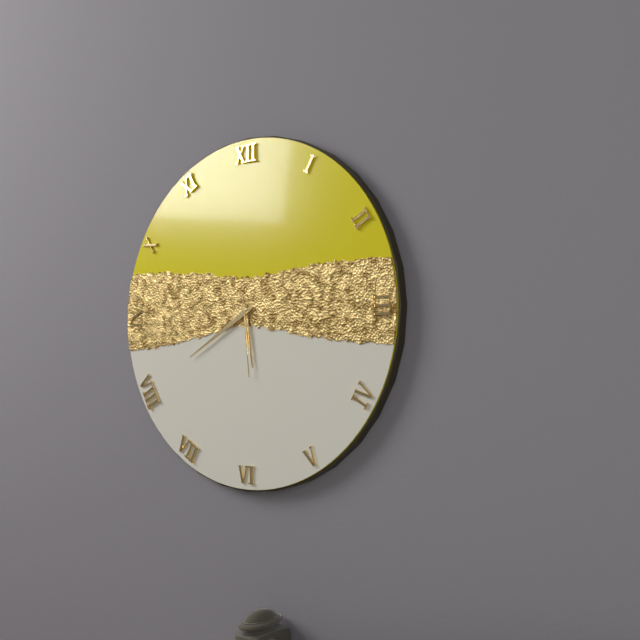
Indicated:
5.40.29
